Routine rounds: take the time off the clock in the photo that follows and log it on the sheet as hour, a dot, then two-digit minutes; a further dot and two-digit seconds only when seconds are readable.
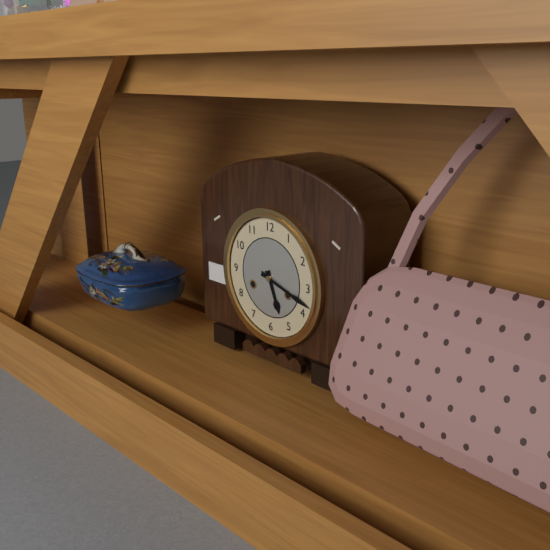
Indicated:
5.18
